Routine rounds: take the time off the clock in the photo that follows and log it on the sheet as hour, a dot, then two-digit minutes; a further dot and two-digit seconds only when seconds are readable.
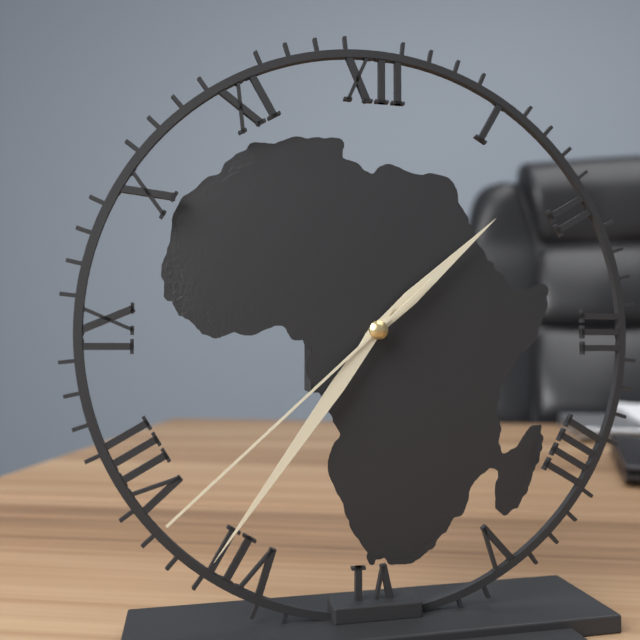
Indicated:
1.36.38
